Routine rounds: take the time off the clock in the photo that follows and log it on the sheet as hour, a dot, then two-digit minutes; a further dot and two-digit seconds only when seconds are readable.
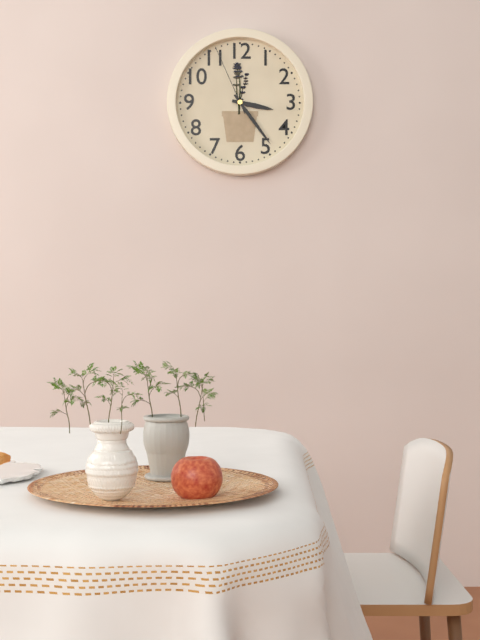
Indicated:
3.24.56
